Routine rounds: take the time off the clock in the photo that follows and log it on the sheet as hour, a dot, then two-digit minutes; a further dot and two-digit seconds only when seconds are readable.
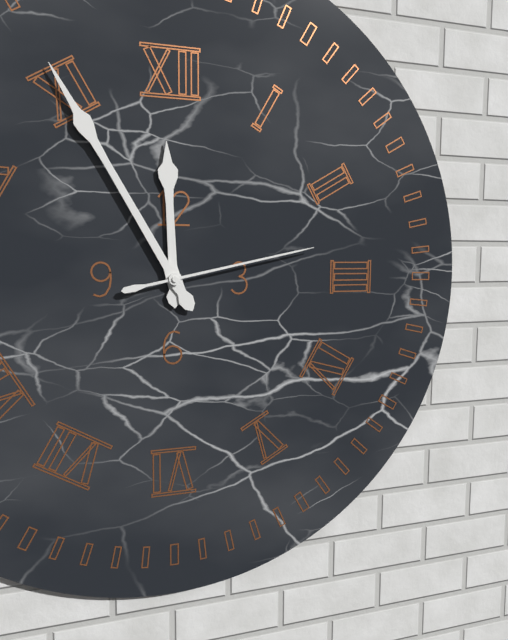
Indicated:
11.55.13
